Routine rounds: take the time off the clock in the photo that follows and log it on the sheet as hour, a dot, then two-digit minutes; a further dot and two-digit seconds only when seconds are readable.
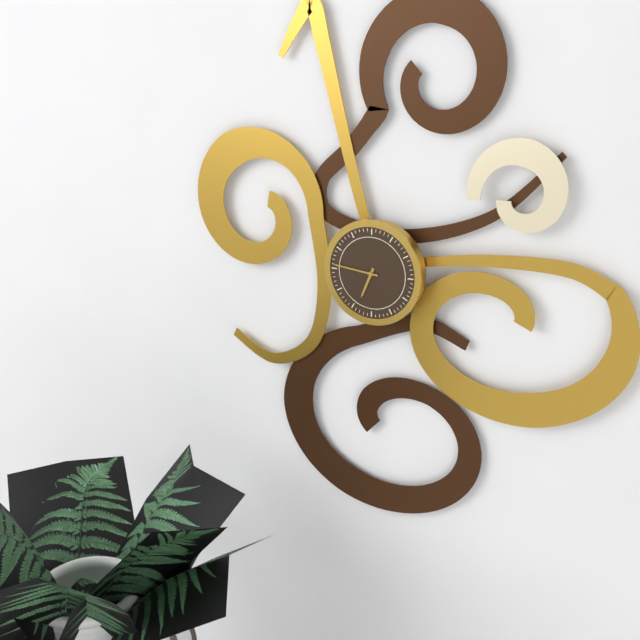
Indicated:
6.46
